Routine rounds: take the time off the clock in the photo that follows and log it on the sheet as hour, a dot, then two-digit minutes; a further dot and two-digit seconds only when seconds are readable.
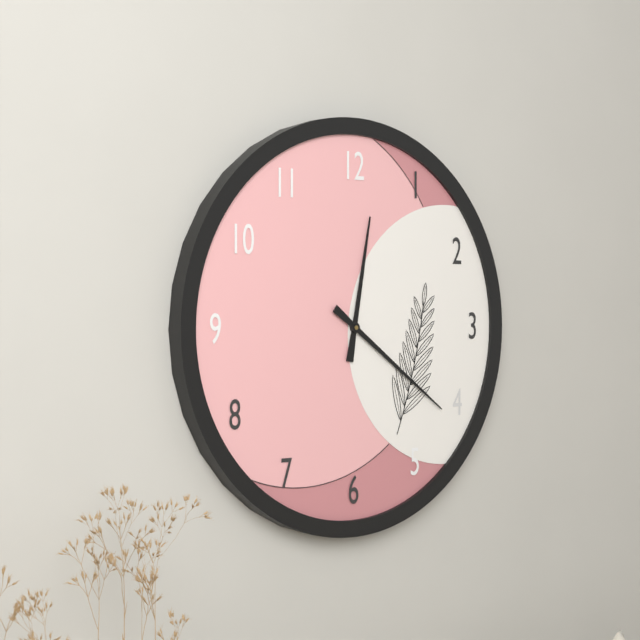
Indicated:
12.21
